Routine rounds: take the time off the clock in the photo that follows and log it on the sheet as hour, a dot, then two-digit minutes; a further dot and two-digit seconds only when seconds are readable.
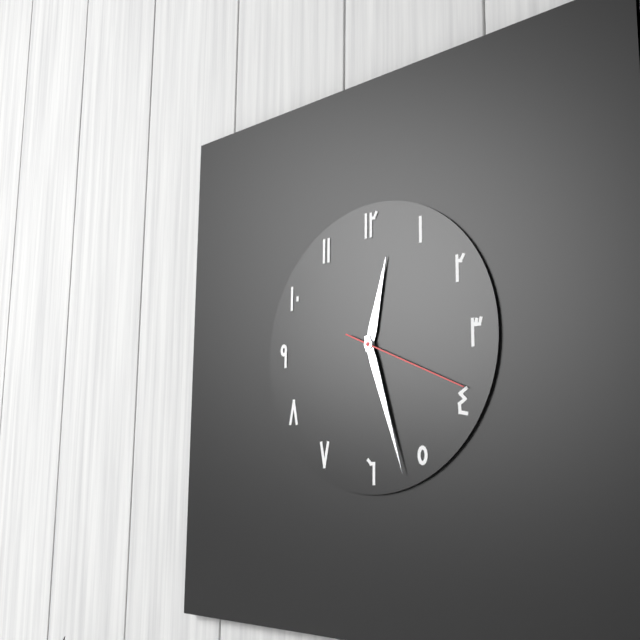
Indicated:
12.27.19
